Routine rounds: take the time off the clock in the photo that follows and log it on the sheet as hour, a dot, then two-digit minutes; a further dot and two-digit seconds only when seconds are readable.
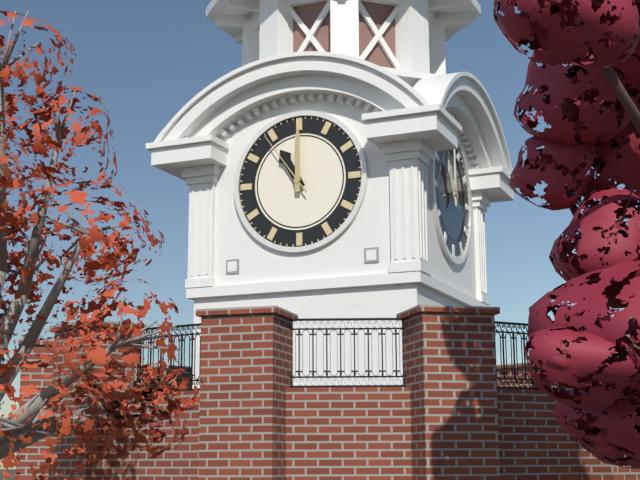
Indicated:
11.00.54
